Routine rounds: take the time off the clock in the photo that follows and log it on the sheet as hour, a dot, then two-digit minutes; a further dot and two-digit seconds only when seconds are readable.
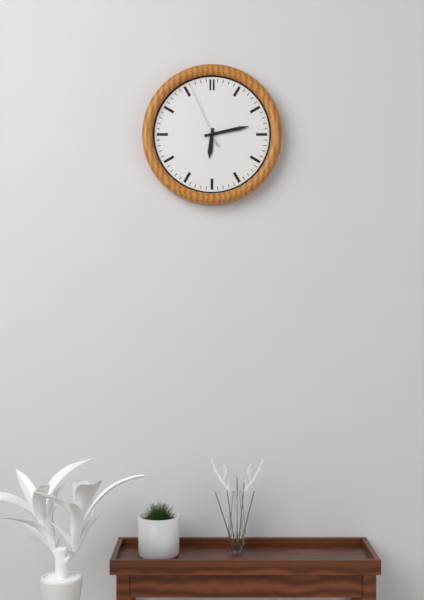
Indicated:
6.13.56
